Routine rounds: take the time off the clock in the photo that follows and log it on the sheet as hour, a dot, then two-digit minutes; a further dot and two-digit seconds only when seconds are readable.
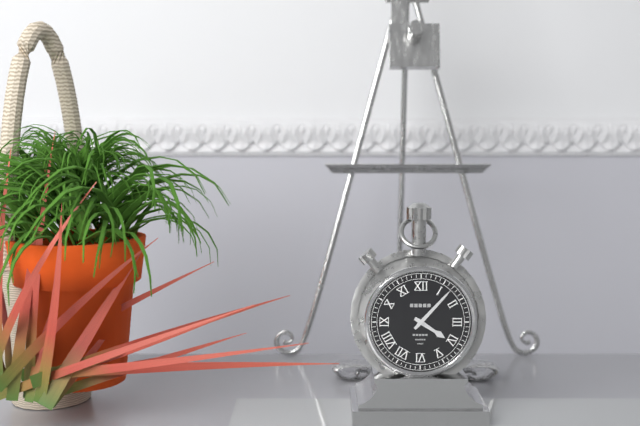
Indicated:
4.07
